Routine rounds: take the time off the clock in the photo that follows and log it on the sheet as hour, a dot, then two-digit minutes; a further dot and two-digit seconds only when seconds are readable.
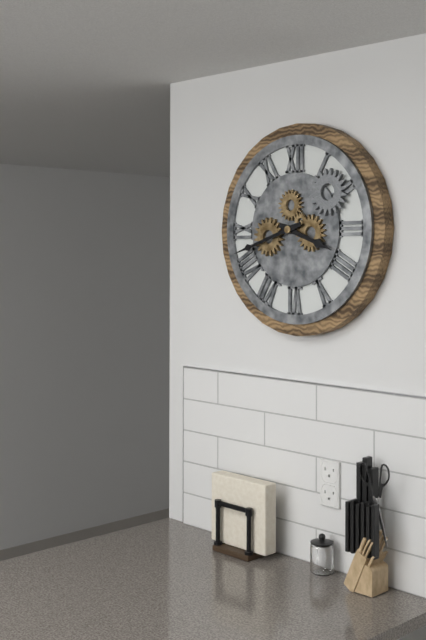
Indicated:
3.42
